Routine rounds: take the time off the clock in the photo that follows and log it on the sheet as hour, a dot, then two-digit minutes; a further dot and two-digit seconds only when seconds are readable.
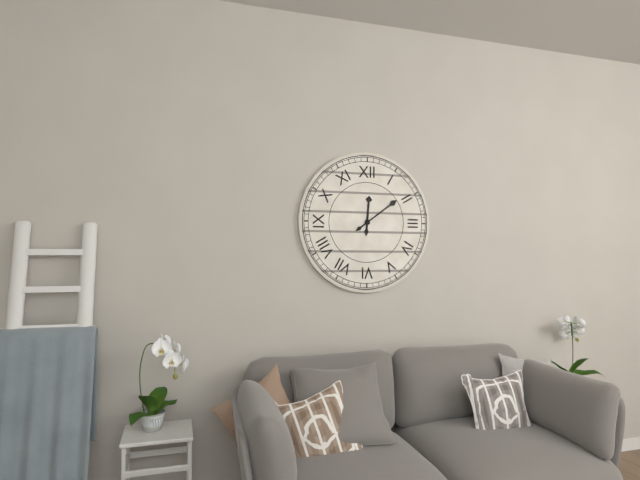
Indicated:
12.09
